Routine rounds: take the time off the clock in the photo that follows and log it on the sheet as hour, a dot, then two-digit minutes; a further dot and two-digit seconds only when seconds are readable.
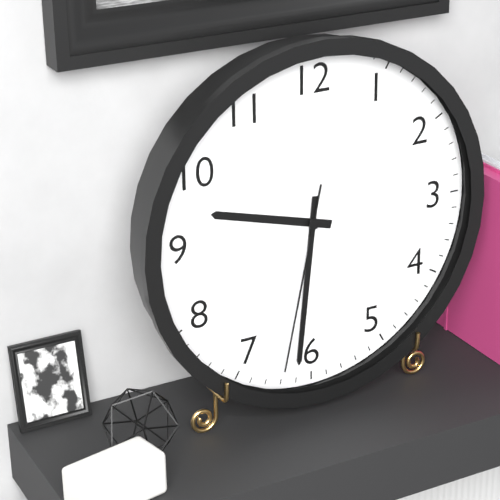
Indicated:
9.31.32
